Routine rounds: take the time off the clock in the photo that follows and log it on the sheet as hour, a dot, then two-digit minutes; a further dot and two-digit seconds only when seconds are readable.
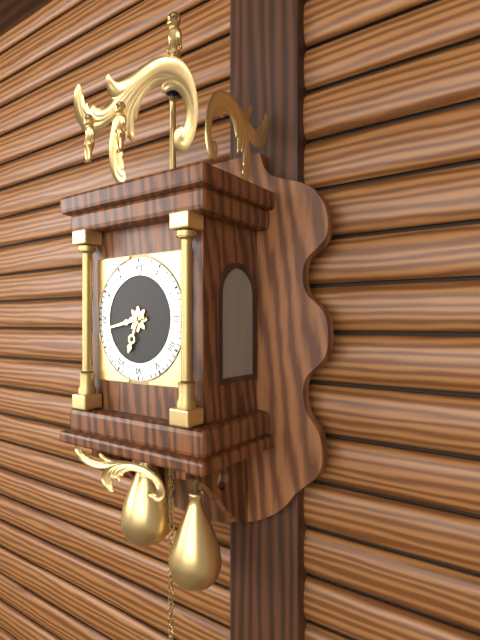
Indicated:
6.43
